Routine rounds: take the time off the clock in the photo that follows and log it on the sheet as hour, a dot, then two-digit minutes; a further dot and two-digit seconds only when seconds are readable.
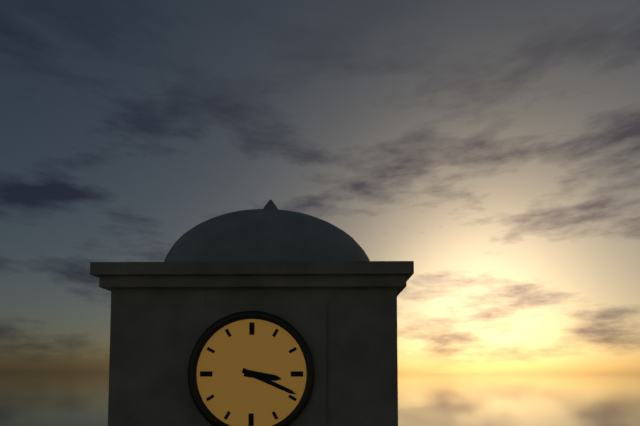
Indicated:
3.19
